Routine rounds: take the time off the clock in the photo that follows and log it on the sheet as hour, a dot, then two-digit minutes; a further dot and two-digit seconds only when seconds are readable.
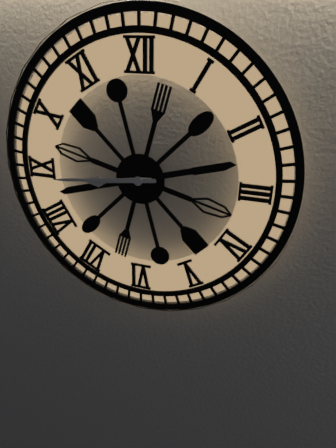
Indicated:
8.44
